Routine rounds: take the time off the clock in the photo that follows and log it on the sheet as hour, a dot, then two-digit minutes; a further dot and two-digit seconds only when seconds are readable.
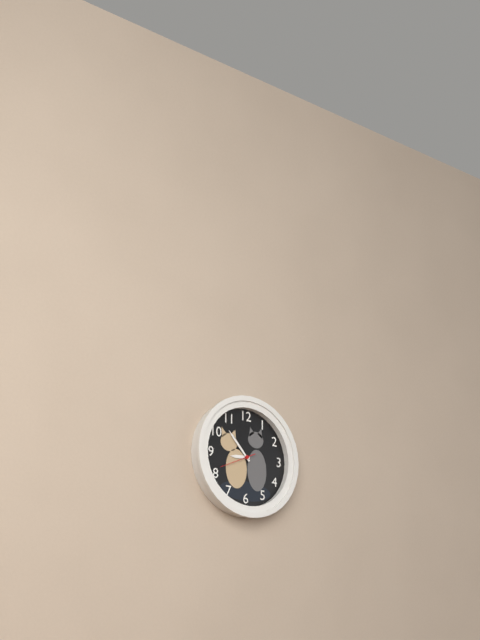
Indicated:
8.53
